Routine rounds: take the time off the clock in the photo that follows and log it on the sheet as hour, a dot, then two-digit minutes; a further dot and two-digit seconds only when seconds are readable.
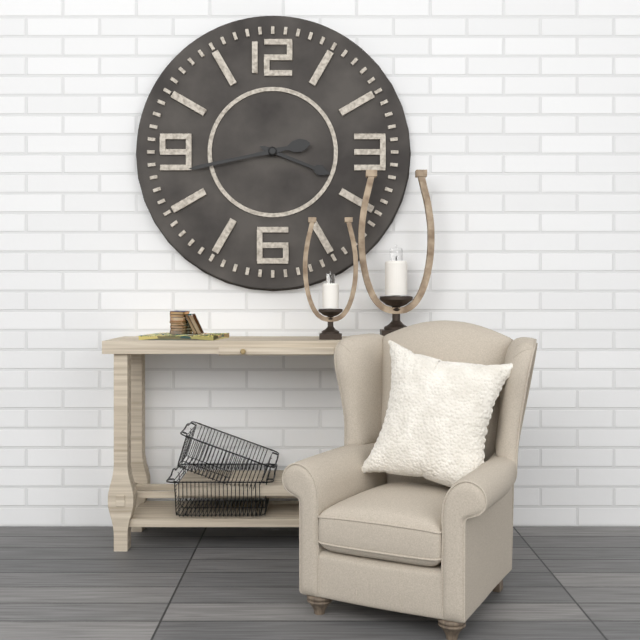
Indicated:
3.43
